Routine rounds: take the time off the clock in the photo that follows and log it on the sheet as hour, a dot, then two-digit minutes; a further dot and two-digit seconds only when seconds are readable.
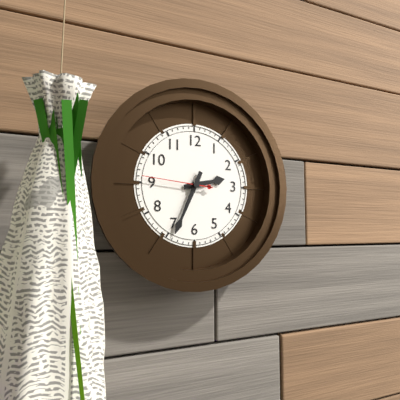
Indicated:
2.34.46
